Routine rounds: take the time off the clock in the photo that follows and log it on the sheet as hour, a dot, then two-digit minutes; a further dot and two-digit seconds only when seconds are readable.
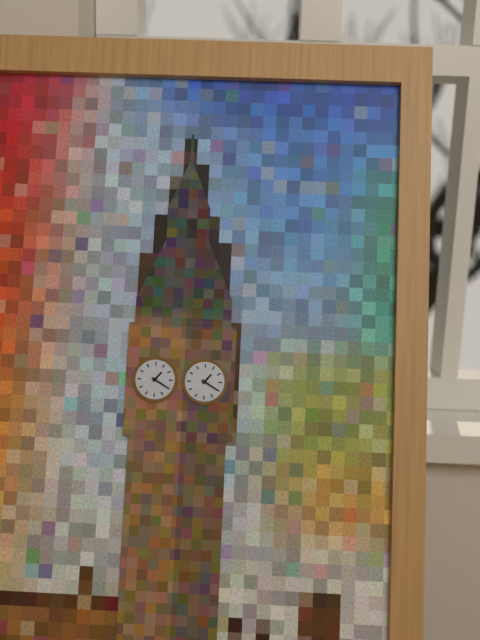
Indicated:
1.20
